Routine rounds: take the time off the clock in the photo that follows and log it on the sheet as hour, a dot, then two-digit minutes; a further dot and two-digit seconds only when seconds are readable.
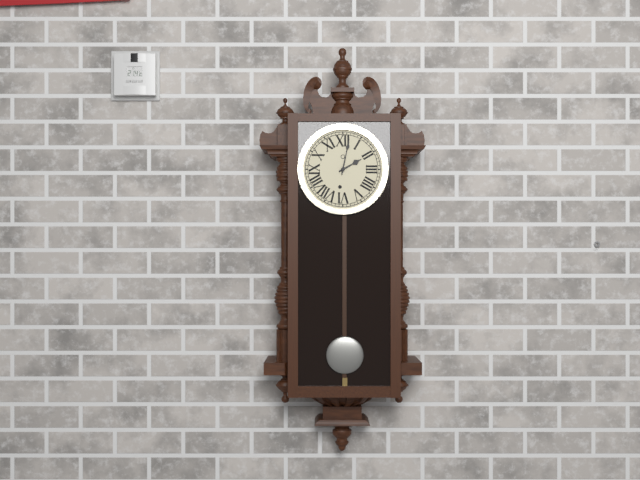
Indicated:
2.02
